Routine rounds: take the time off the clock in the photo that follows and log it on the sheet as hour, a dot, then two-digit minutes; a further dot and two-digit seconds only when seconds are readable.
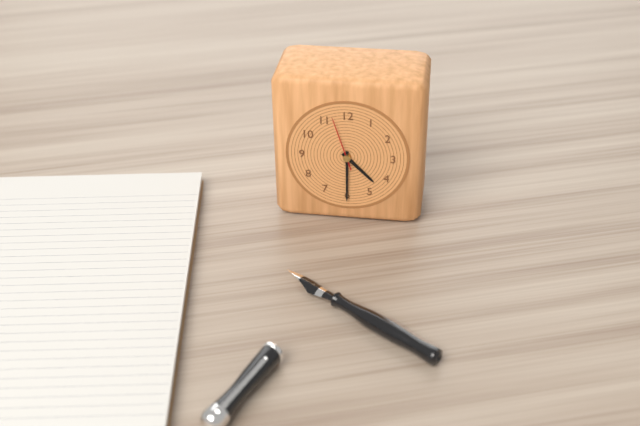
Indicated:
4.30.57
